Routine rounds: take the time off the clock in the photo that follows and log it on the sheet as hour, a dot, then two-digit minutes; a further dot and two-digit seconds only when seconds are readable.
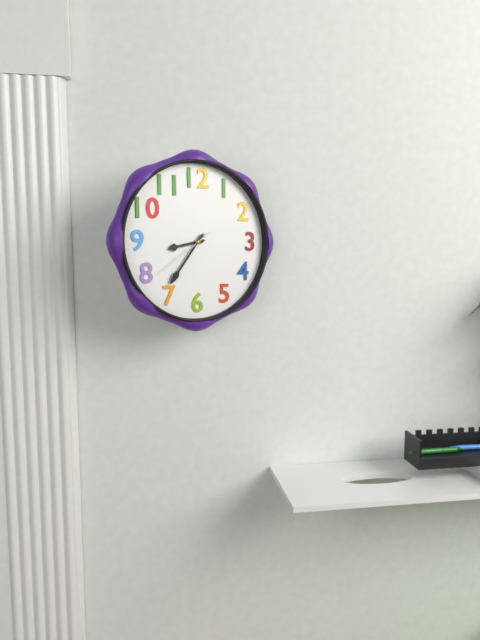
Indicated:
8.36.39
